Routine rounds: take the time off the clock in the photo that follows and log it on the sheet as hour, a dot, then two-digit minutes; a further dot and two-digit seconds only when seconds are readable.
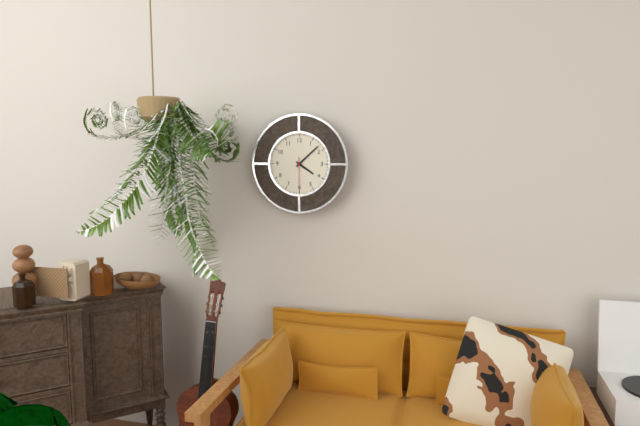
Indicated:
4.08
